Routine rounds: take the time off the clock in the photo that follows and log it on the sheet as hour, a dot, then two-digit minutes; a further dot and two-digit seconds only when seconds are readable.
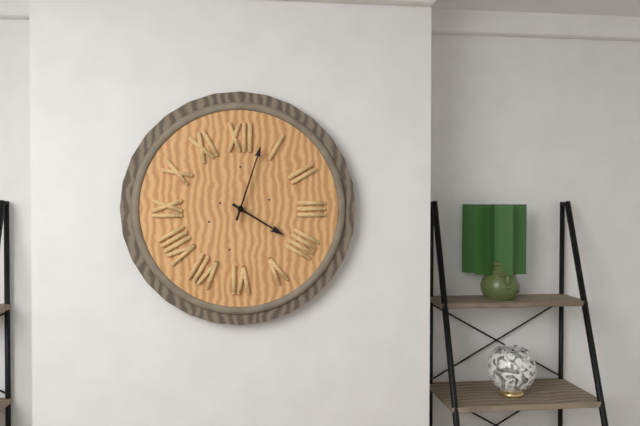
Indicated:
4.03
